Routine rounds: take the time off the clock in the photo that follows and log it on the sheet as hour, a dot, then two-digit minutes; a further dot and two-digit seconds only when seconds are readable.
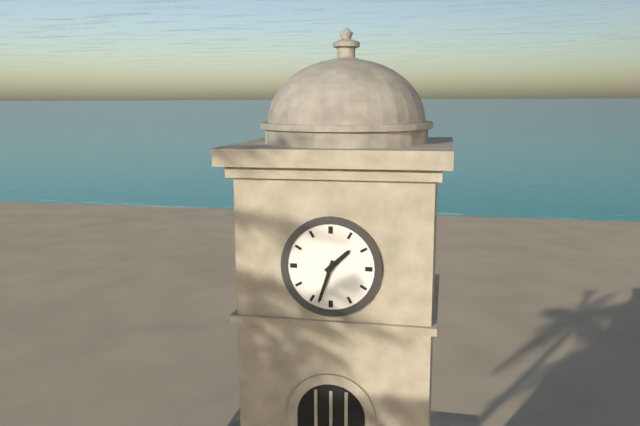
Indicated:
1.33
